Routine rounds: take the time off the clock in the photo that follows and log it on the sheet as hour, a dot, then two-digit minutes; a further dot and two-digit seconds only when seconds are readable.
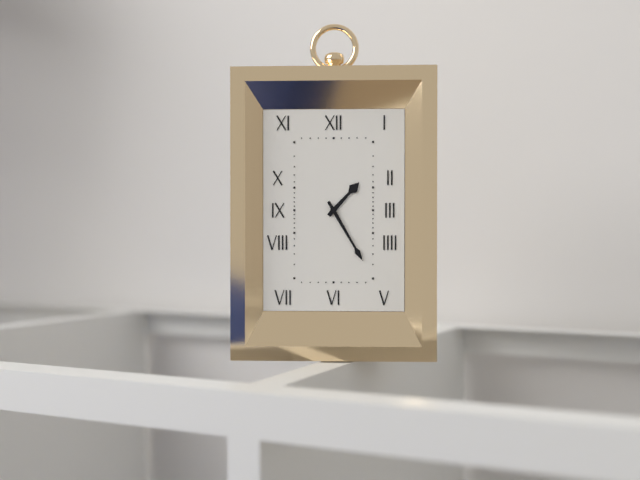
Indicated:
1.25
